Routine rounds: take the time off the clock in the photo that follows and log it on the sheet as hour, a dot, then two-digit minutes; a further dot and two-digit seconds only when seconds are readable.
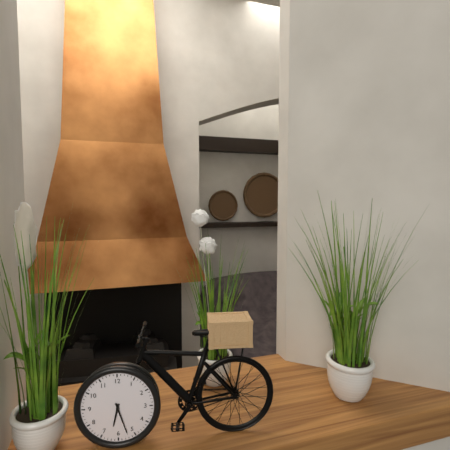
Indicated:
6.27
